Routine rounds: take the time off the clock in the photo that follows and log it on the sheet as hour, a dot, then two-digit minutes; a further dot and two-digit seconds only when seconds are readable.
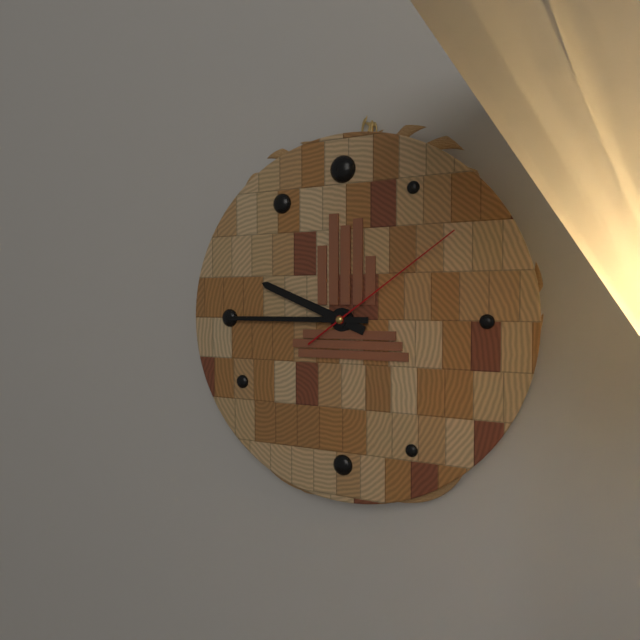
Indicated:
9.45.09
